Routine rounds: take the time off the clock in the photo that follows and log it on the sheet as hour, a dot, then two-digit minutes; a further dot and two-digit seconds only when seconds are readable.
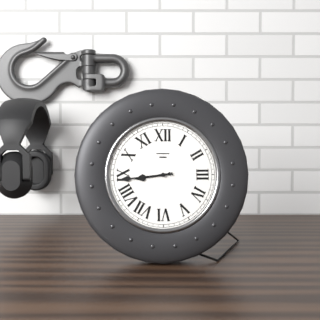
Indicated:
8.44
